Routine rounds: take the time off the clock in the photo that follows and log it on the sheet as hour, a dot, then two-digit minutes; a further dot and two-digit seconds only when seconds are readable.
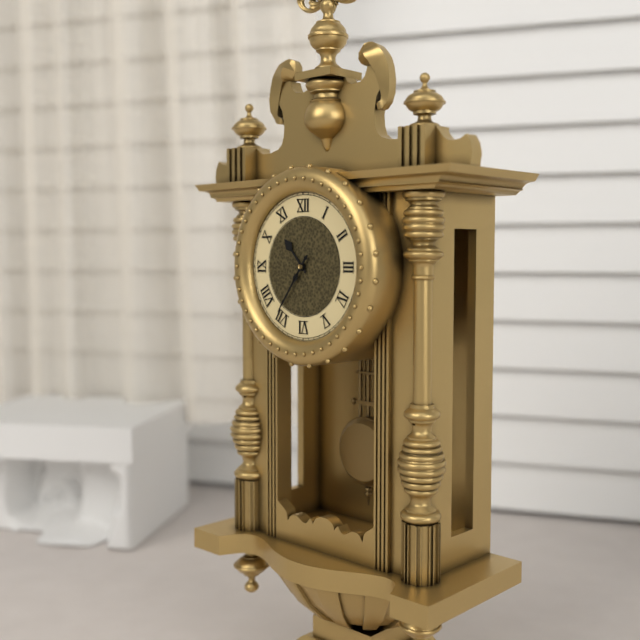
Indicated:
10.36
